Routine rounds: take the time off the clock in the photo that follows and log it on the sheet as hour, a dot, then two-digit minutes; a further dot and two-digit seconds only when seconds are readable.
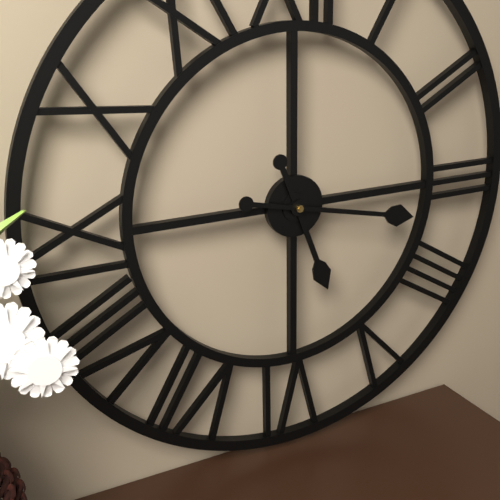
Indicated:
5.17
